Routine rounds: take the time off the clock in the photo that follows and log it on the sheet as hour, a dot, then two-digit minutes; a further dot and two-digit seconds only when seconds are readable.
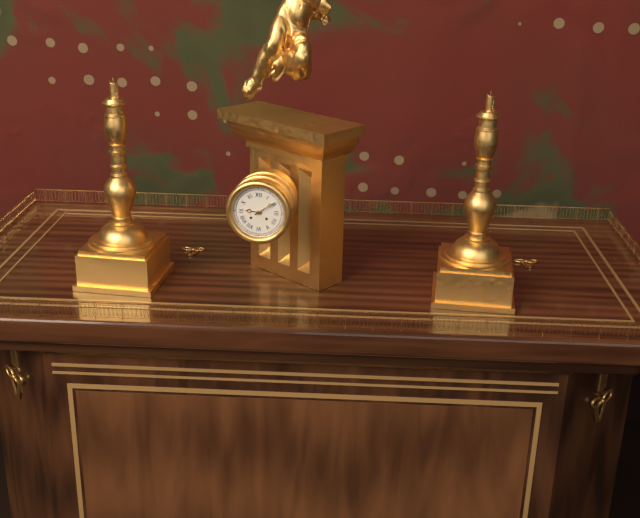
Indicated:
9.09
